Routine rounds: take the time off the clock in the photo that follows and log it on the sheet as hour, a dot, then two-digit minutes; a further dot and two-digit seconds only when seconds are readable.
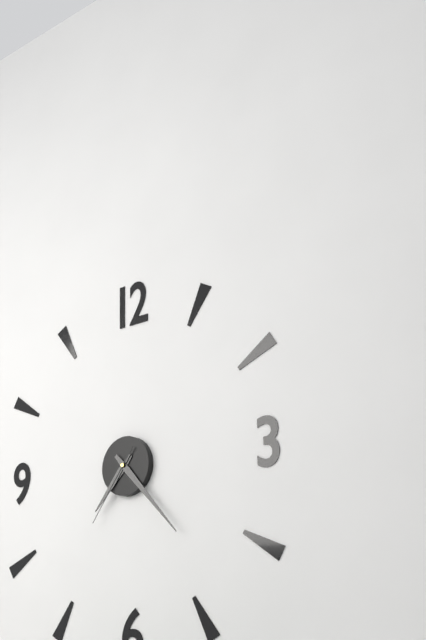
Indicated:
7.23.36
